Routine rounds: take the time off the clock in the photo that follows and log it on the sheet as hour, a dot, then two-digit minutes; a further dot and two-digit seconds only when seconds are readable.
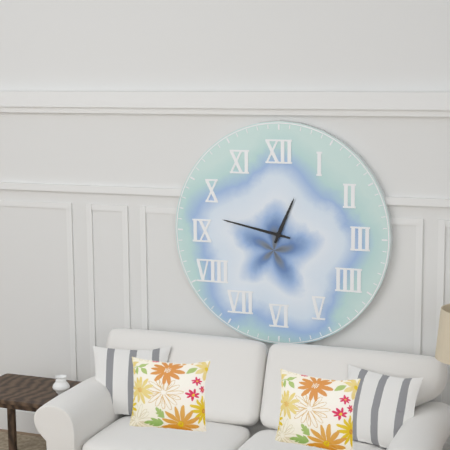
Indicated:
12.47
